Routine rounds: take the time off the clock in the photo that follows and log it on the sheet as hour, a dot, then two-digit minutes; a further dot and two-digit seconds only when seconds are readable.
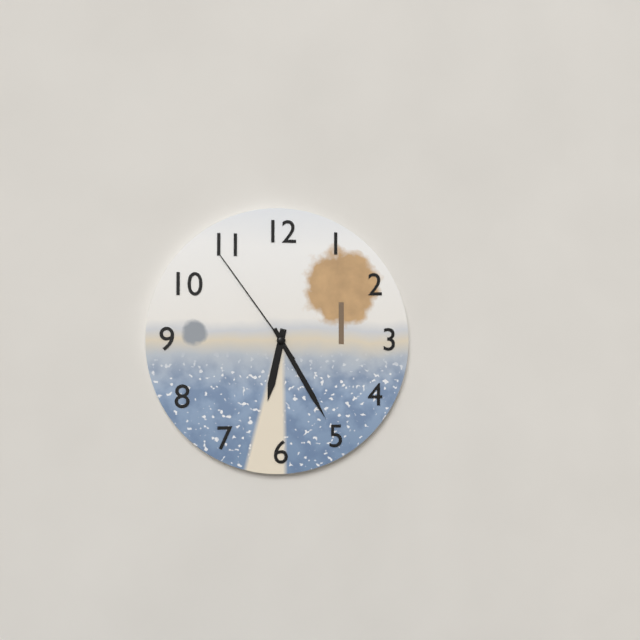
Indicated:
6.25.54
